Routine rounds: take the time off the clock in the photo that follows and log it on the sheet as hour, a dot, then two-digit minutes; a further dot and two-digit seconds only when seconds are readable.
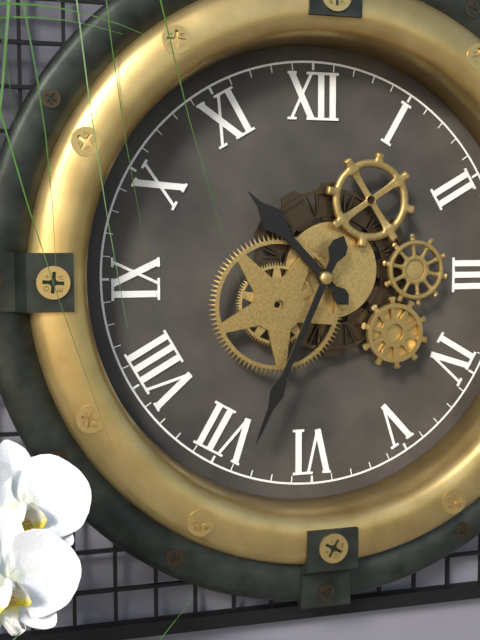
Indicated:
10.34
